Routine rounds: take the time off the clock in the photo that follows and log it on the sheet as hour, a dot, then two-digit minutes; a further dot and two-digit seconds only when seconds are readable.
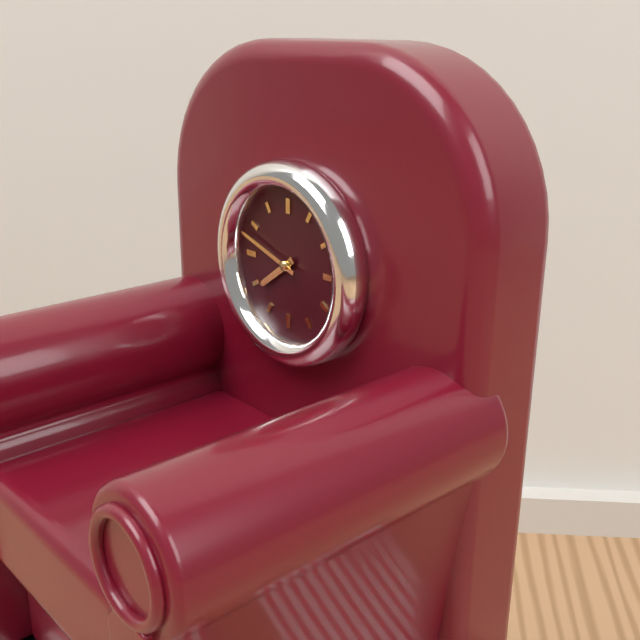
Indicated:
7.48
